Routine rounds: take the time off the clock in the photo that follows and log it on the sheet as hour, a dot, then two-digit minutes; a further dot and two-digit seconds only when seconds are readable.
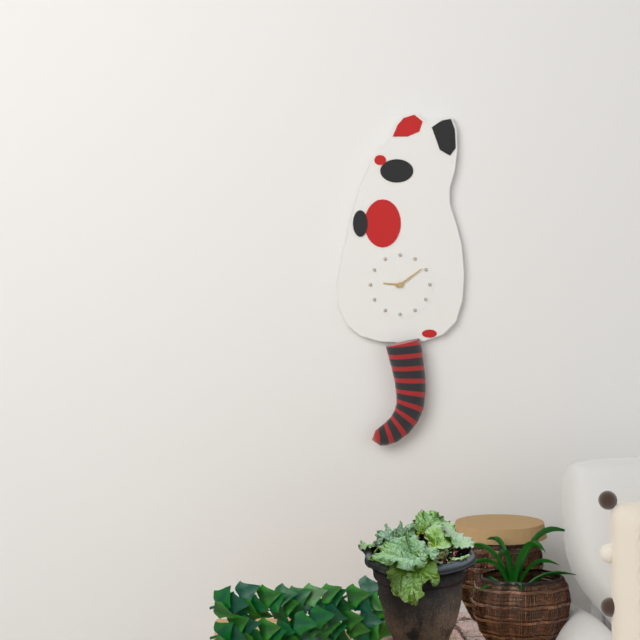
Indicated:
9.09
